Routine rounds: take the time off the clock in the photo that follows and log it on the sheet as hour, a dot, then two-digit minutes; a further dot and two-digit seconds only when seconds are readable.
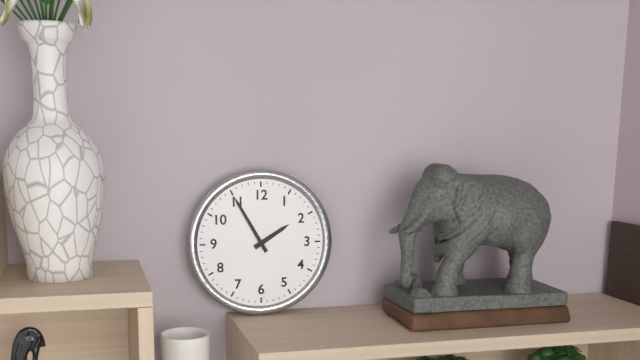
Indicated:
1.55
